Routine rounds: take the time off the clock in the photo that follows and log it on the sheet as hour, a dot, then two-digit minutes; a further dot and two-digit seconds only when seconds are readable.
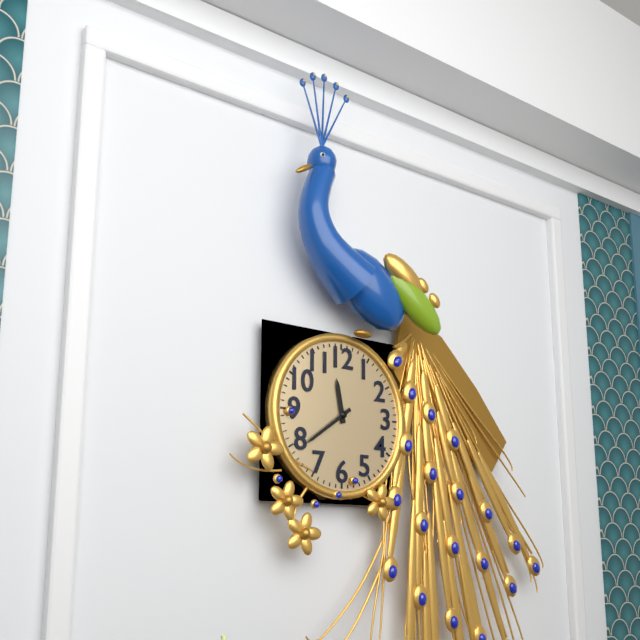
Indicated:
11.39
